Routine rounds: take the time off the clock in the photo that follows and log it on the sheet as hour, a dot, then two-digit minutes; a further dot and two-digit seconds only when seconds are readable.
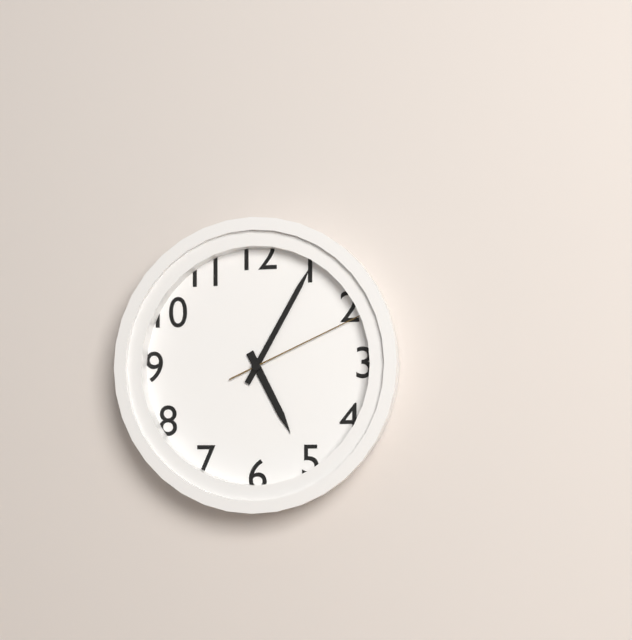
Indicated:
5.05.11
